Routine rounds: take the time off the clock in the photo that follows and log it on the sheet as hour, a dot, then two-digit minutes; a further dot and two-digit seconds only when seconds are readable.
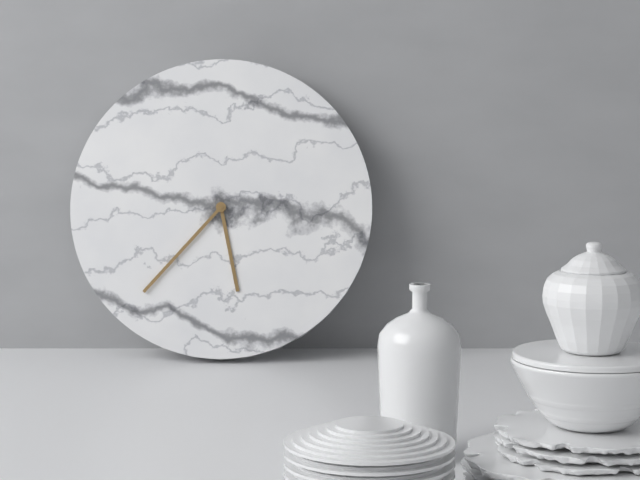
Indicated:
5.37
